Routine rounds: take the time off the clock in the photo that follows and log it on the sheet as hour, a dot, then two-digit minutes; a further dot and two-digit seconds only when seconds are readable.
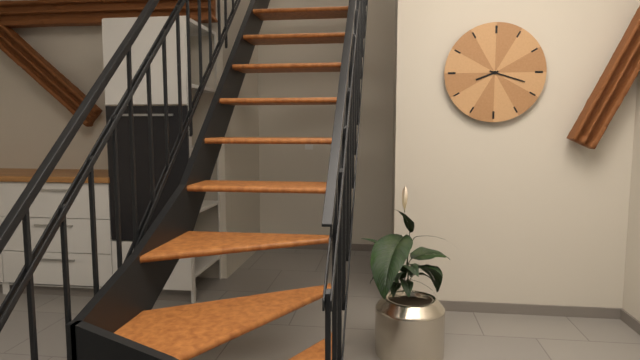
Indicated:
8.18
